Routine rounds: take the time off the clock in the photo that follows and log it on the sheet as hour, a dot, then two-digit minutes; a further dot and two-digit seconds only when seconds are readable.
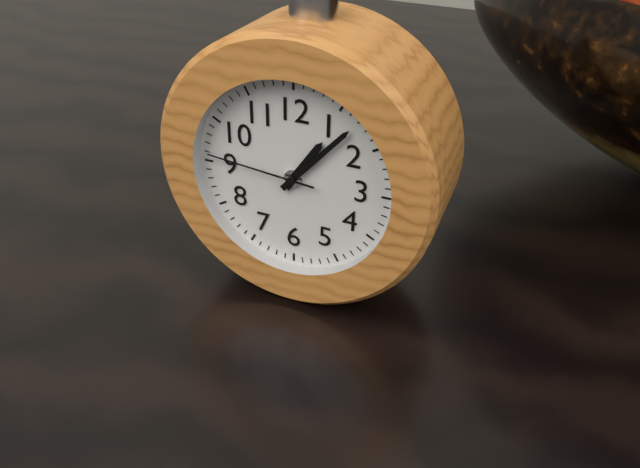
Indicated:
1.07.46
